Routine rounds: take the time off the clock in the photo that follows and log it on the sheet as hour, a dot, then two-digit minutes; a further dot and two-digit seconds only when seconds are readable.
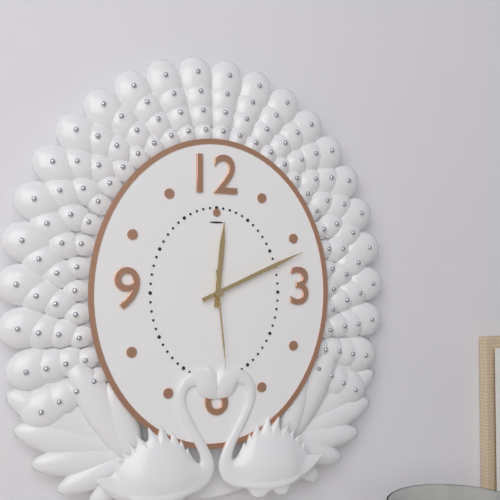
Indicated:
12.11.29
